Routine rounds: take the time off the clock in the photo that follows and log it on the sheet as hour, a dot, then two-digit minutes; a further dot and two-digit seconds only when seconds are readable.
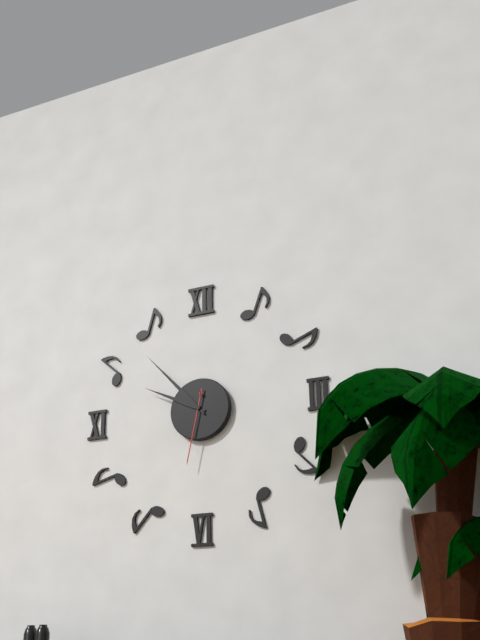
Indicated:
9.53.32
